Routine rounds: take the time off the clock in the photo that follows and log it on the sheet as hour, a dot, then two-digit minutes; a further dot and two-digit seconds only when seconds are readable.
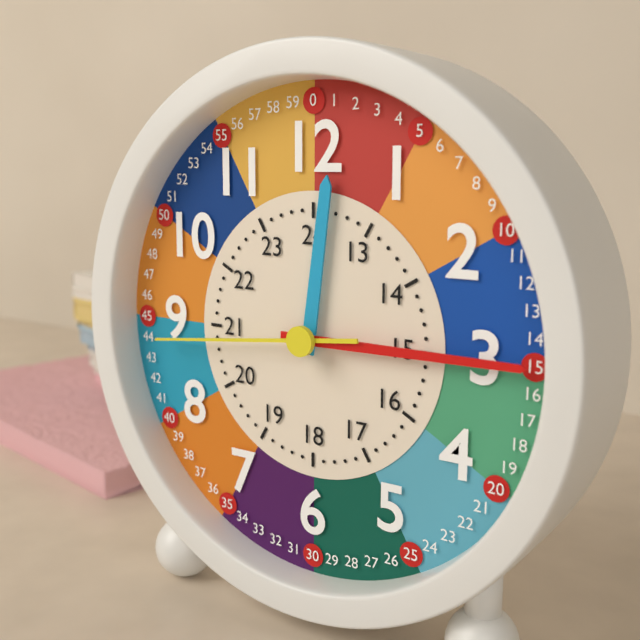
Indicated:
12.15.44
